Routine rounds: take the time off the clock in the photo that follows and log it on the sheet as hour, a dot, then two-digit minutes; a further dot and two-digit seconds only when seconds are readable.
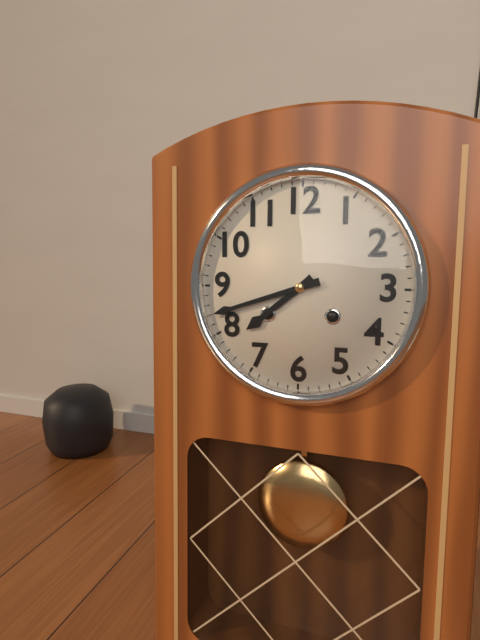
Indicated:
7.42
